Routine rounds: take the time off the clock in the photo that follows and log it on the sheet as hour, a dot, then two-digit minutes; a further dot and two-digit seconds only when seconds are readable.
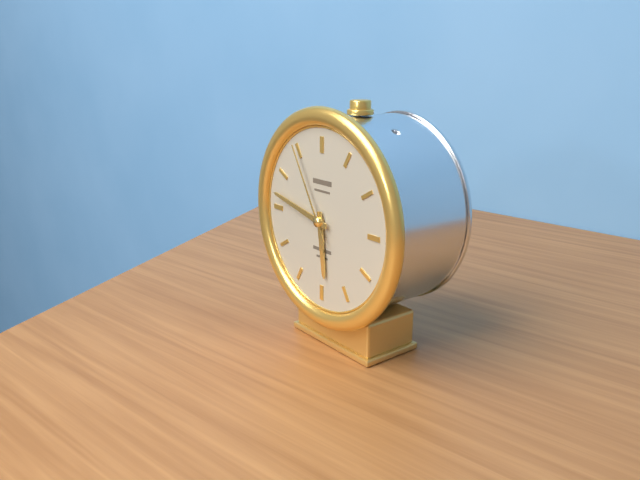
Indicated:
5.47.55
